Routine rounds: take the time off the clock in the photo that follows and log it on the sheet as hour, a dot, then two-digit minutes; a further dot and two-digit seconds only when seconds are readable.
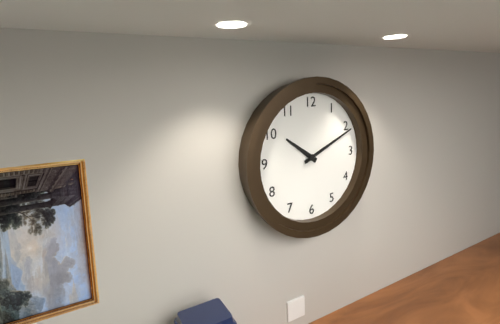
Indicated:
10.11
